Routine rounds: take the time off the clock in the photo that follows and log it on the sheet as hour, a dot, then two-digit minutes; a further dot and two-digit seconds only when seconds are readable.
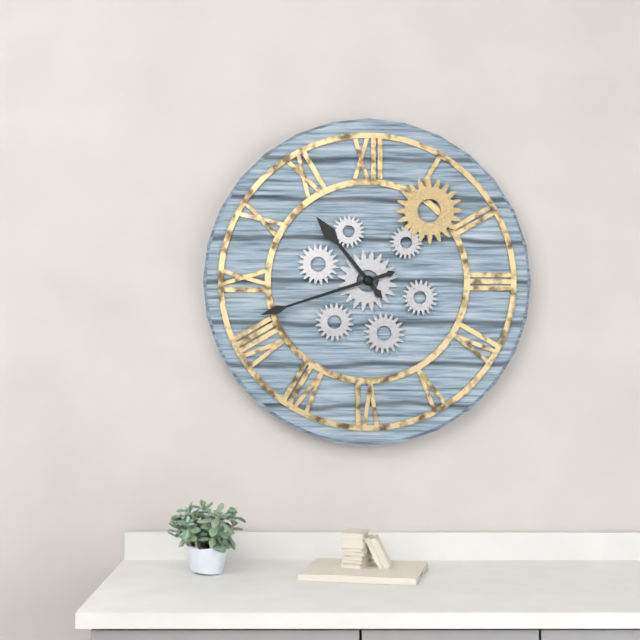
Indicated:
10.42
